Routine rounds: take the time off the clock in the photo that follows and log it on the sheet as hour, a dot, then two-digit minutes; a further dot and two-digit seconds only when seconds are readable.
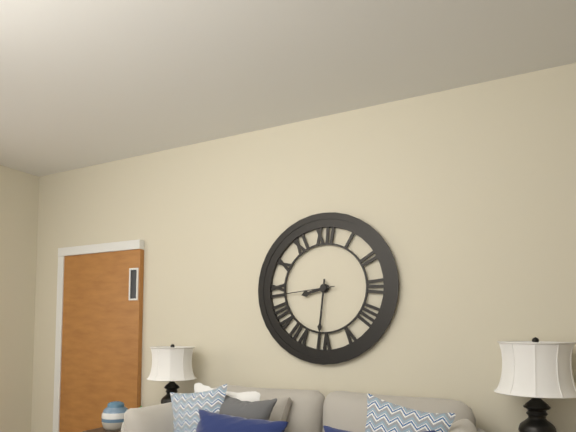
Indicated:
8.31
